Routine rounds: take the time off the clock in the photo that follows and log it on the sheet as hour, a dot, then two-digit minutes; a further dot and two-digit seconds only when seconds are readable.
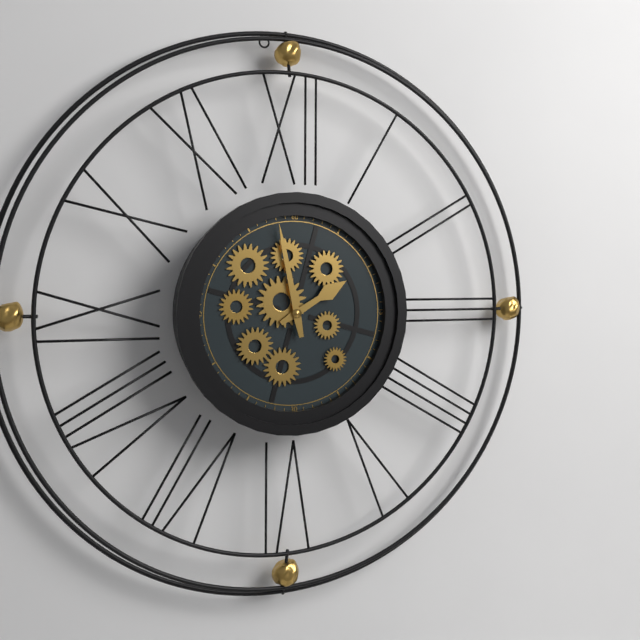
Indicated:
1.58
